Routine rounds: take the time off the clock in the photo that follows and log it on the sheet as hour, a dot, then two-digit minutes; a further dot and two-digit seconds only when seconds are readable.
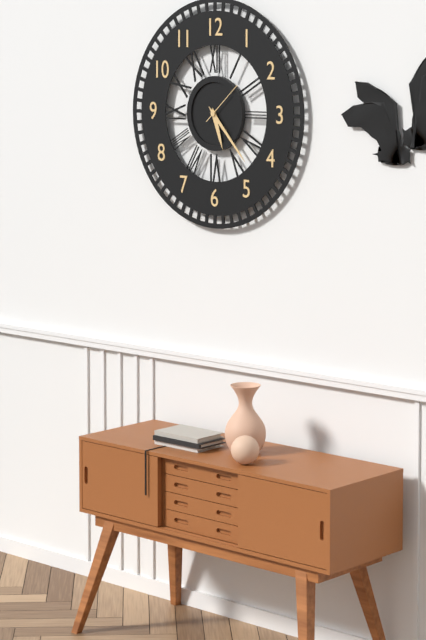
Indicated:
5.23
